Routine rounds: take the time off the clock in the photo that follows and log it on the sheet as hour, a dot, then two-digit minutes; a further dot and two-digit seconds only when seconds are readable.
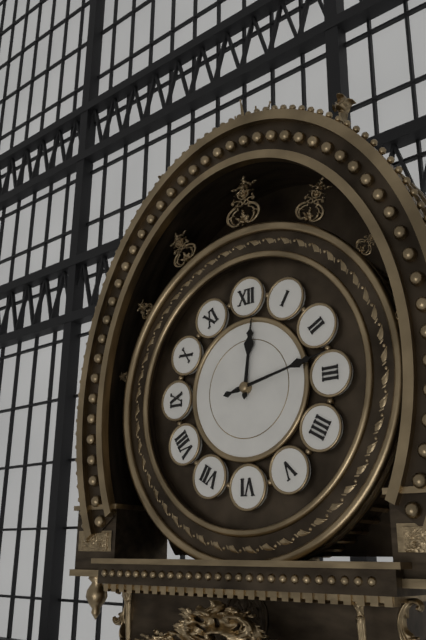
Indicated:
12.13
